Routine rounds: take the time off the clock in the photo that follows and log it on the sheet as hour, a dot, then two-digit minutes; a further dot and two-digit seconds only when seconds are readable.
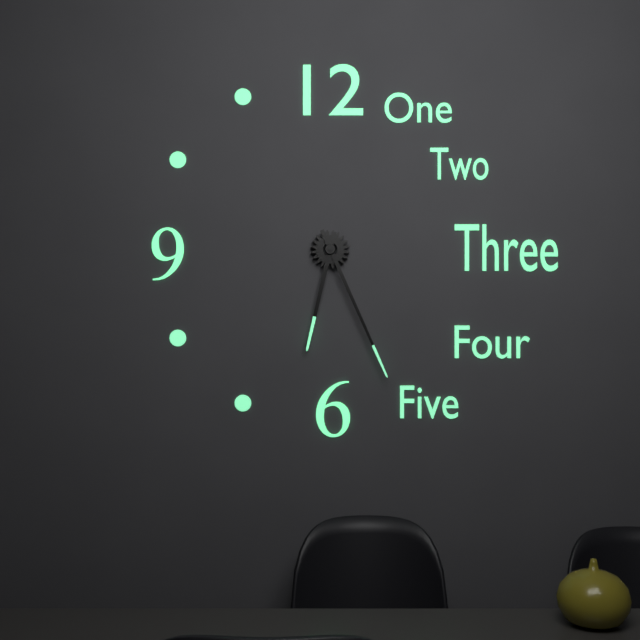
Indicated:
6.26
